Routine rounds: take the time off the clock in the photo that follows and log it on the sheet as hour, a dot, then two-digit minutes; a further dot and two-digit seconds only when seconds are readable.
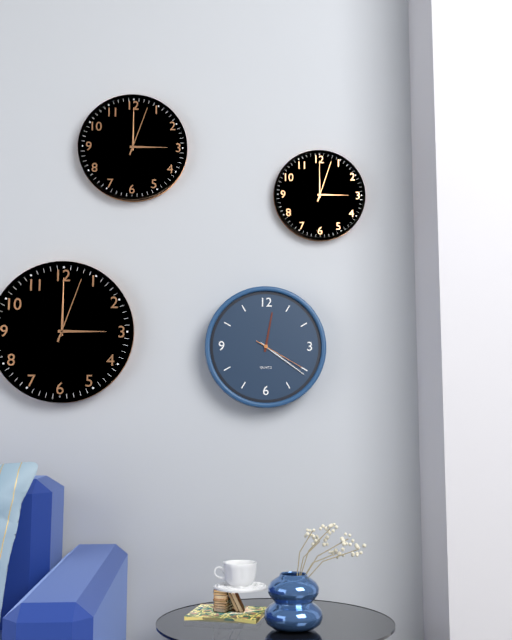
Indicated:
12.21.20
